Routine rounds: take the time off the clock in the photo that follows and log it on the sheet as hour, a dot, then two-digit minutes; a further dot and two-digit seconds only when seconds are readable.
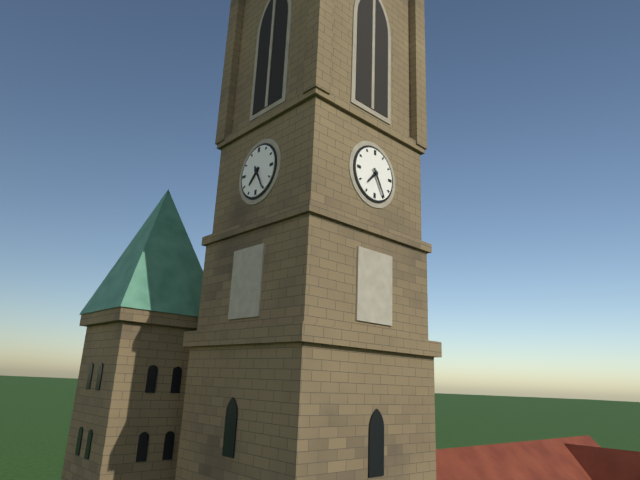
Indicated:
7.25
